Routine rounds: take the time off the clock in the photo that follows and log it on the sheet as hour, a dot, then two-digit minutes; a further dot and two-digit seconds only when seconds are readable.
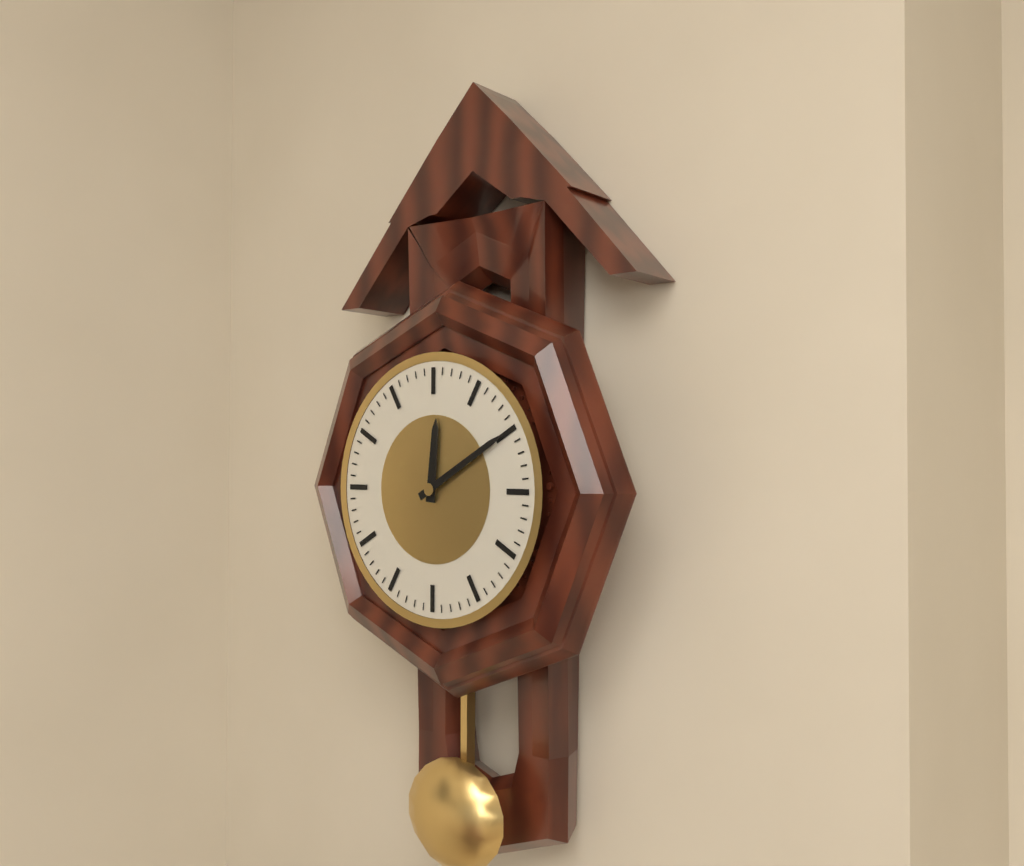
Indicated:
12.10
